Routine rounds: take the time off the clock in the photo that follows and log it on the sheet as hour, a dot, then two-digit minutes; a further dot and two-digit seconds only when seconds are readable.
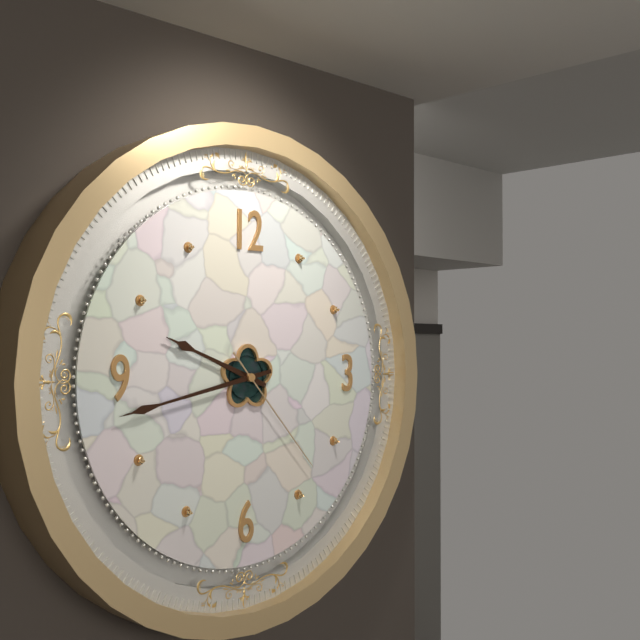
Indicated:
9.43.23
